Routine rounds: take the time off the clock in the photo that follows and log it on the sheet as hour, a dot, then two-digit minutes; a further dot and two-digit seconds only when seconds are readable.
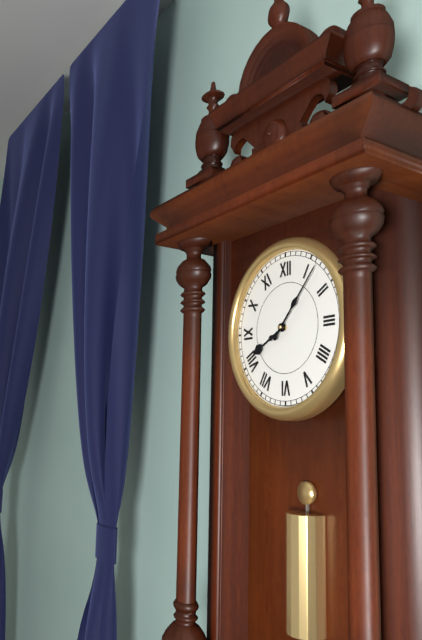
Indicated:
8.07
